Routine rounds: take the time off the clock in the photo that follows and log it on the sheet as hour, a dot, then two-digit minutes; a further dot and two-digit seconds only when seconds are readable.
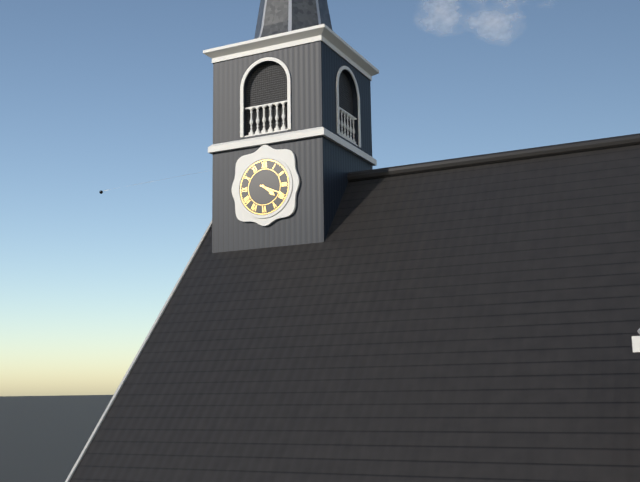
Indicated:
4.19
